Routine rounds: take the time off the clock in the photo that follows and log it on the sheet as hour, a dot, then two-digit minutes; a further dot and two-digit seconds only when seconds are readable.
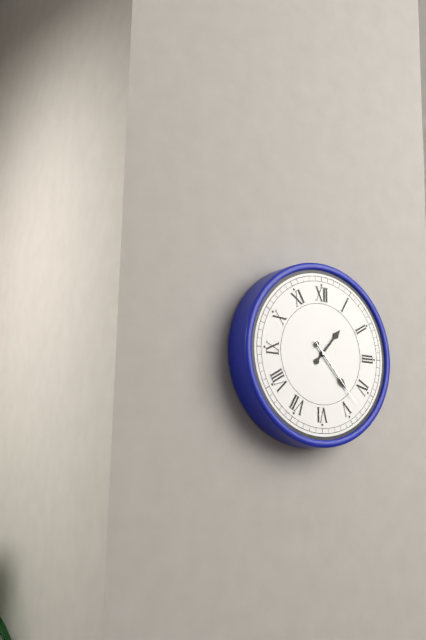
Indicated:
1.23.23
